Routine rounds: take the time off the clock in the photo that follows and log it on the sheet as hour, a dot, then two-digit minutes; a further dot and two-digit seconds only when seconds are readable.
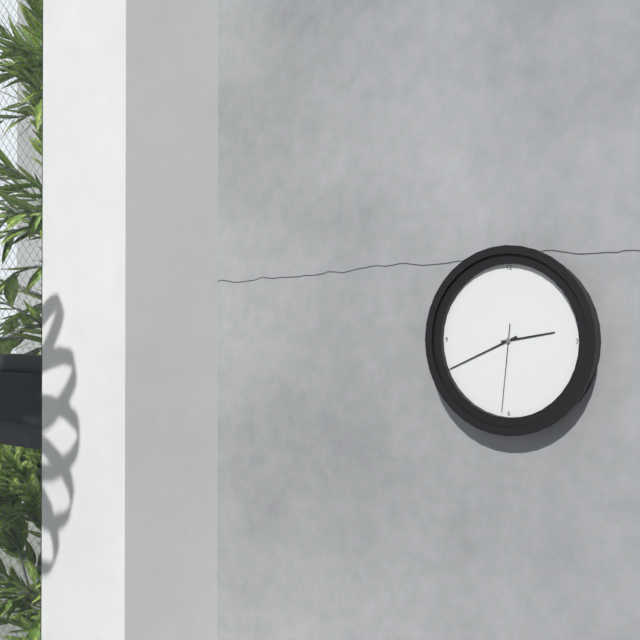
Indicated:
2.41.31
